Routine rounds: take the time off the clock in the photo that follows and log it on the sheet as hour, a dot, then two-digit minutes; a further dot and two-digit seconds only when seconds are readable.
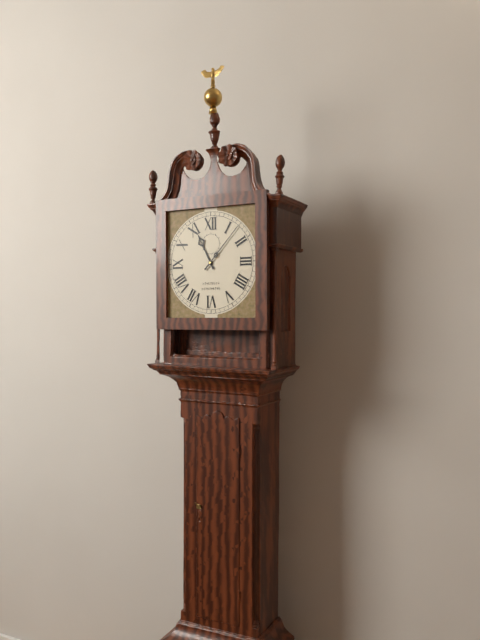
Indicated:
11.07
